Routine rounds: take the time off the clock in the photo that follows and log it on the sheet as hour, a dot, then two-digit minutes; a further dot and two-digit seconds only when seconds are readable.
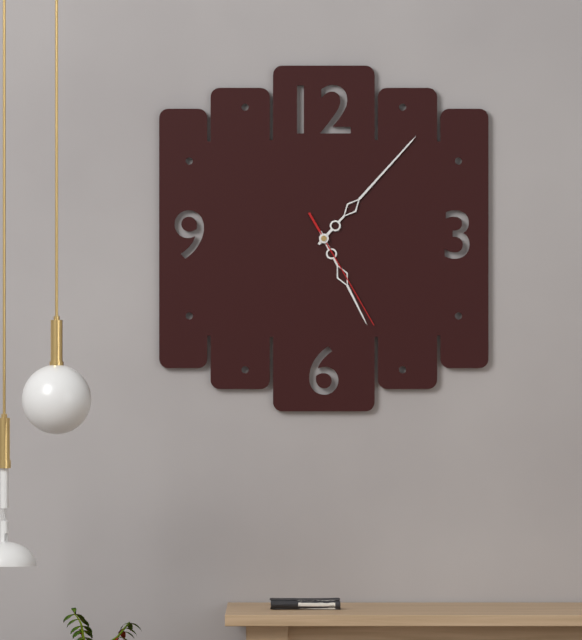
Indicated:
5.07.25
